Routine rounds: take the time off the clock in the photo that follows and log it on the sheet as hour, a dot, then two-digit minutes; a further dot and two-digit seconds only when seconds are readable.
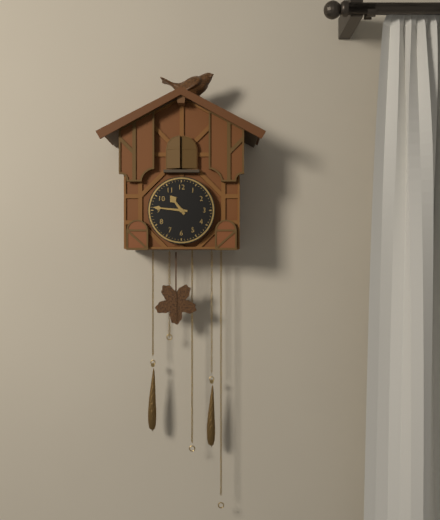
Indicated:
10.46
